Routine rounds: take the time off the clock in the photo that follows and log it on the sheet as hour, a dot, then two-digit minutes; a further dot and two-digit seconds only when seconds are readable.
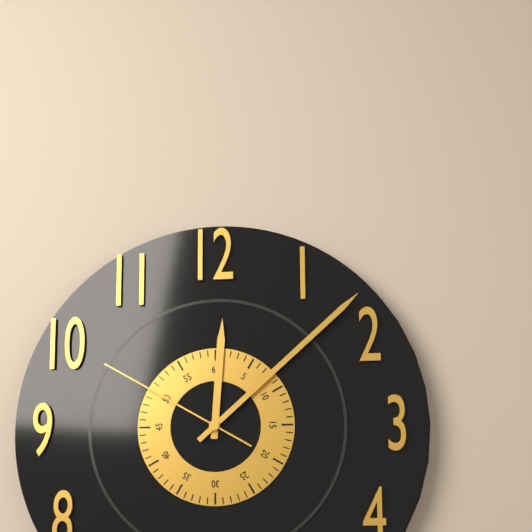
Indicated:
12.08.50
